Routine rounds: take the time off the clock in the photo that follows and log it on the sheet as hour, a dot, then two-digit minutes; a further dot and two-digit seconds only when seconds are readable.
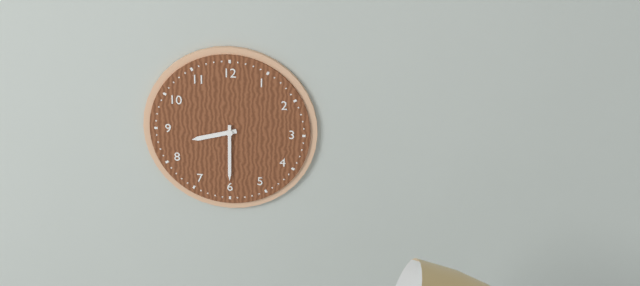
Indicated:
8.30
